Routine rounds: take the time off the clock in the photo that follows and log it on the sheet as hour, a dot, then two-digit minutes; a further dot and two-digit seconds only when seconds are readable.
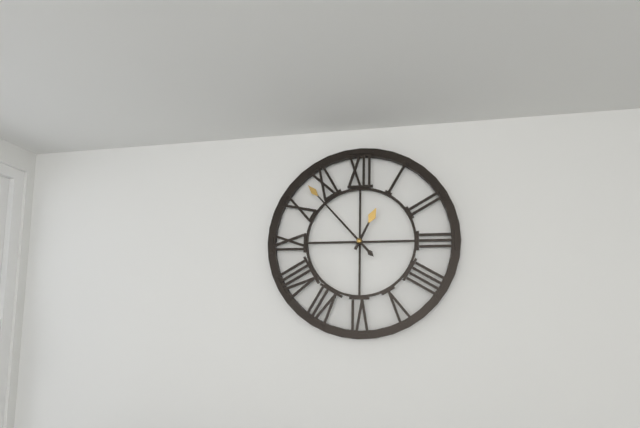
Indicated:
12.53
